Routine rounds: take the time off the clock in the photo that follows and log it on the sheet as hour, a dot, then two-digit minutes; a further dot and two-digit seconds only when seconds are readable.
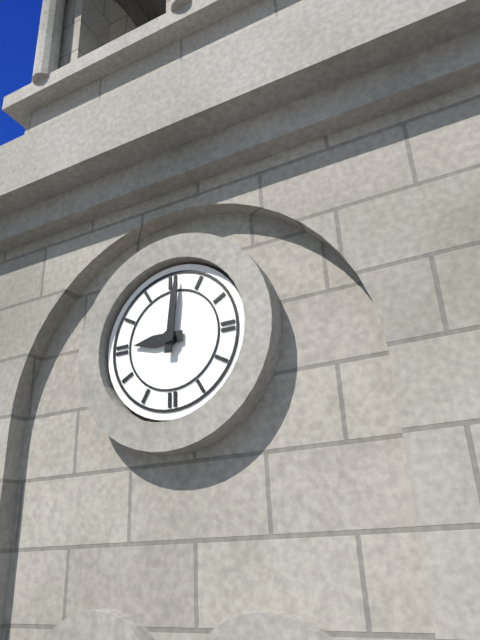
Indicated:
9.01
